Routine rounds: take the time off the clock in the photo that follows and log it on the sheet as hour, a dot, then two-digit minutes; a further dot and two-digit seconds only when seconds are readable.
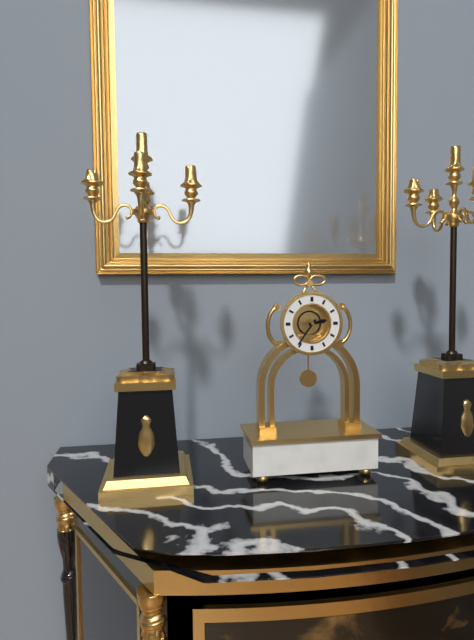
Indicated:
2.36
